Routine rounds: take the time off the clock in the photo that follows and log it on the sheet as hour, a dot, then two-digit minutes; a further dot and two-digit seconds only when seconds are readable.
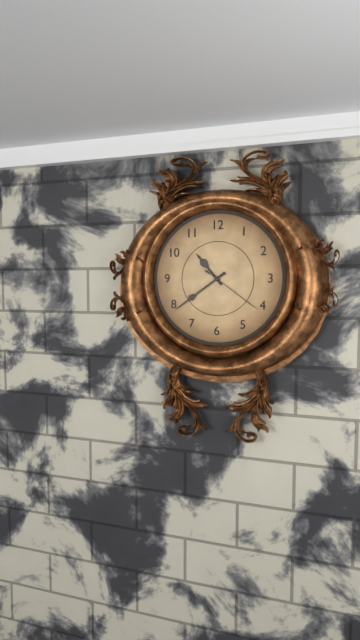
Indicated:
10.39.21
